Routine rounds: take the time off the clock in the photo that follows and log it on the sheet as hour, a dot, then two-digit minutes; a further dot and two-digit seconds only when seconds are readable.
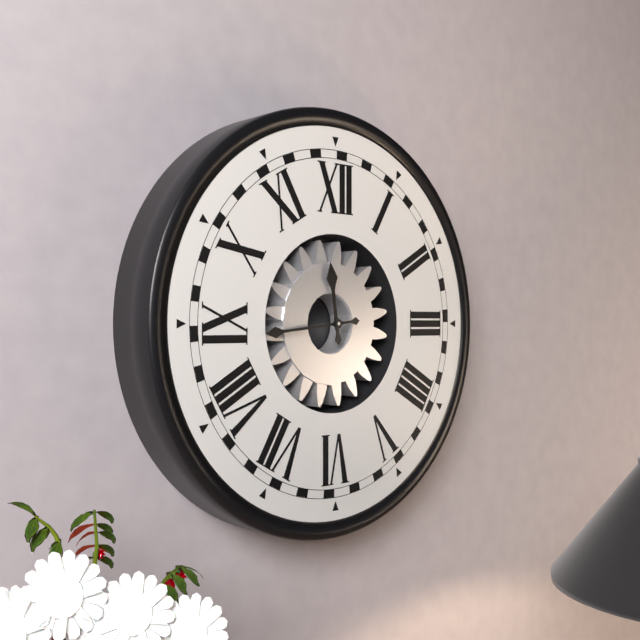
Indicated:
11.44
